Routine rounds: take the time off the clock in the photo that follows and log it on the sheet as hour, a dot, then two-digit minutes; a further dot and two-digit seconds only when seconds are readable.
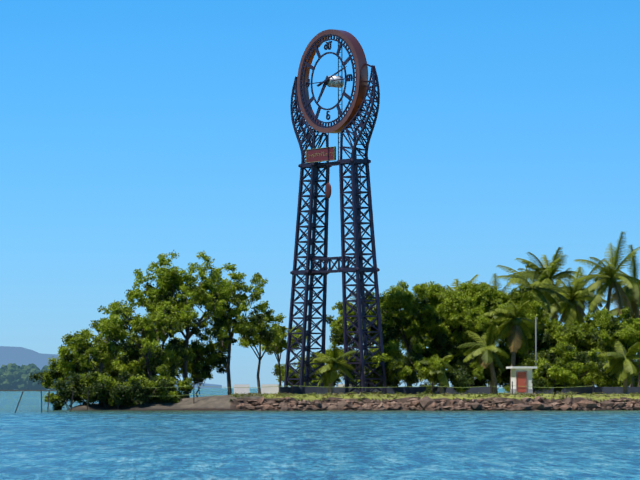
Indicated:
7.12
